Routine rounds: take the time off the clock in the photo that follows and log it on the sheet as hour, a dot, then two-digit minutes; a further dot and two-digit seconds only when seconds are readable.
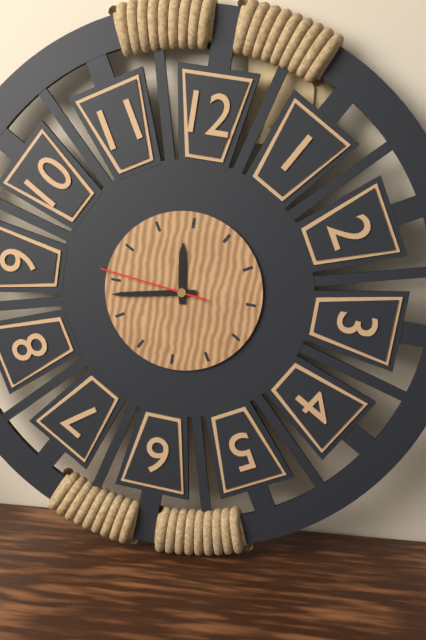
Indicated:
11.43.46
